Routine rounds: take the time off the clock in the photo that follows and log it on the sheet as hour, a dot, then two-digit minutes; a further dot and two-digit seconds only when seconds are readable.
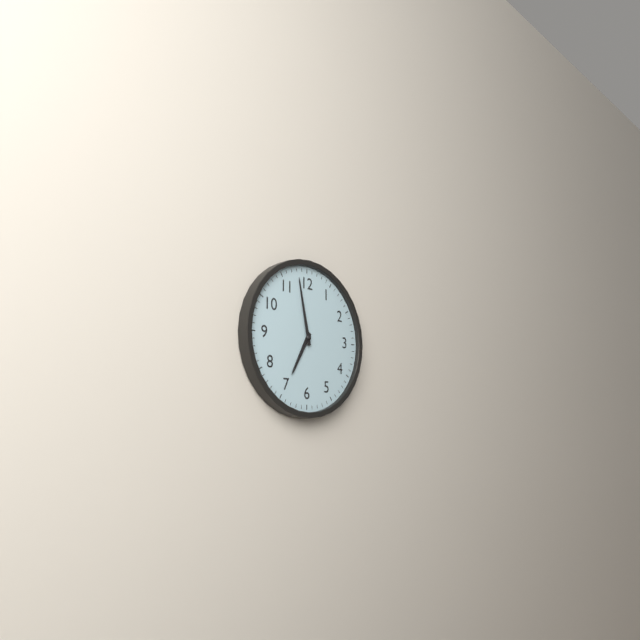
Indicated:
6.58
